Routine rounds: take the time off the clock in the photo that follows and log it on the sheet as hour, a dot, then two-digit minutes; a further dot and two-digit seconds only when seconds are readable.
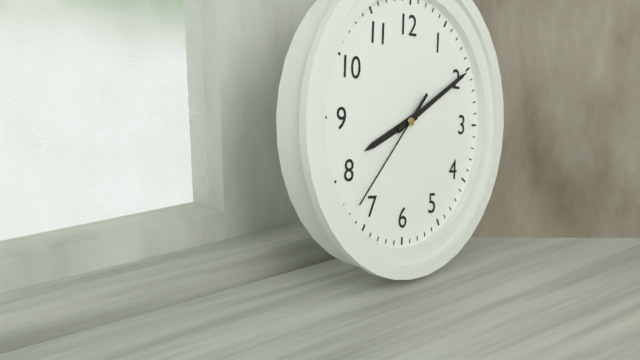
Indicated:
8.10.37
